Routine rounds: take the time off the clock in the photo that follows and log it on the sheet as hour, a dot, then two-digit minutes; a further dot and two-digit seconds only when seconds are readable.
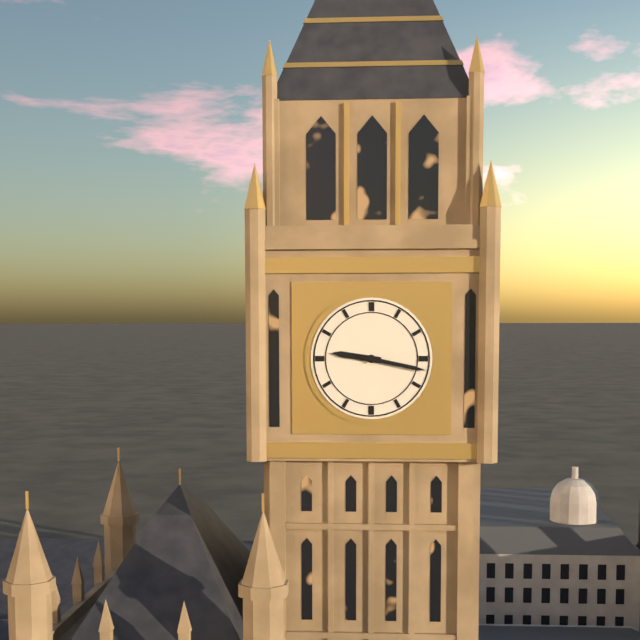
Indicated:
9.17
